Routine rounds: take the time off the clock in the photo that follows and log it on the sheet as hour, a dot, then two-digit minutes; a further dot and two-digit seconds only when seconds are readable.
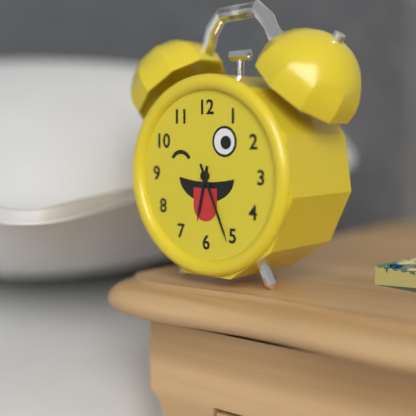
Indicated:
6.26
